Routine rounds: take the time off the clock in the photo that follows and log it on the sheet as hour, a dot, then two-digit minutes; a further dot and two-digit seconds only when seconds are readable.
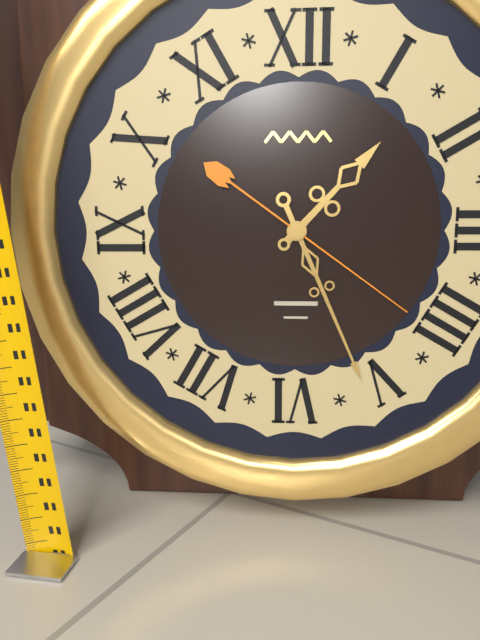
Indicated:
1.26.21
